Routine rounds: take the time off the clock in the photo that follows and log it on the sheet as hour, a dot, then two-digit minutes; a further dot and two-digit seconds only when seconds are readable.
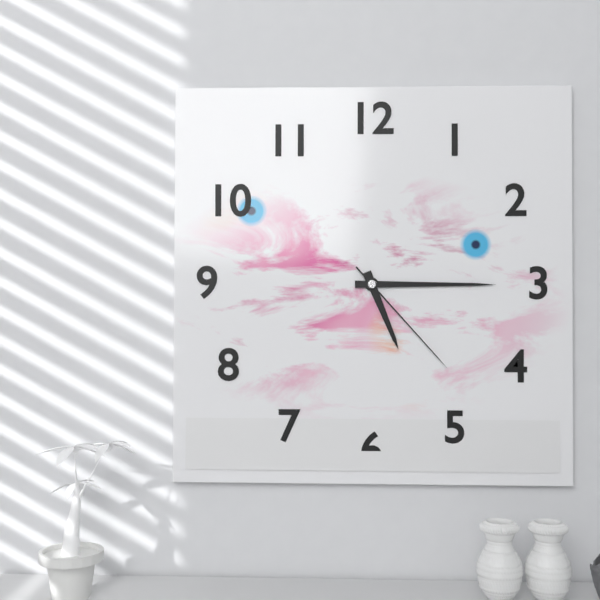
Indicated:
5.15.23
